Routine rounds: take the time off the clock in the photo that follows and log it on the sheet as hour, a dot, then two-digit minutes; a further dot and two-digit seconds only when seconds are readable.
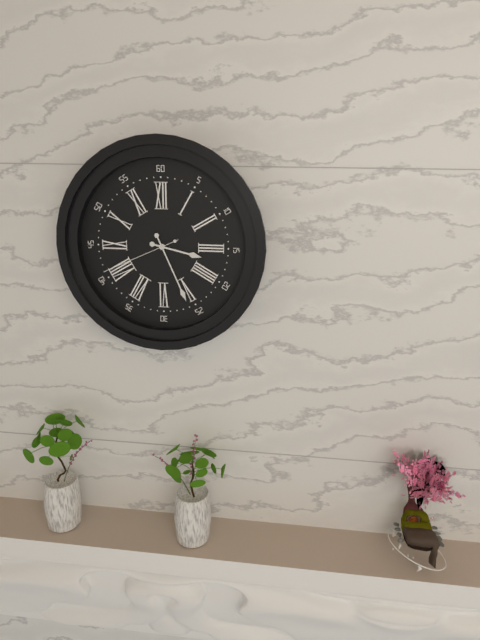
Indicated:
3.26.41
